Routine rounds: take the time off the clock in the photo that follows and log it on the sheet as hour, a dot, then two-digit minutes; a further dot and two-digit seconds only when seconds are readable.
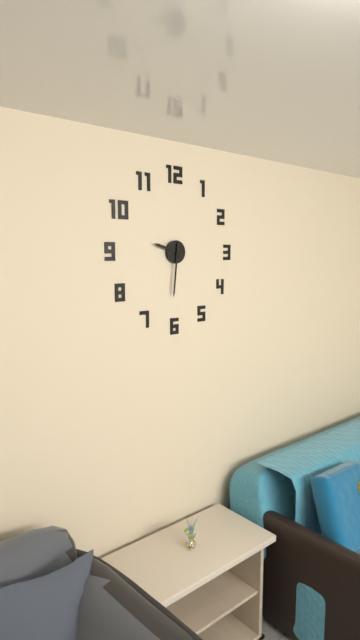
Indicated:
9.31
